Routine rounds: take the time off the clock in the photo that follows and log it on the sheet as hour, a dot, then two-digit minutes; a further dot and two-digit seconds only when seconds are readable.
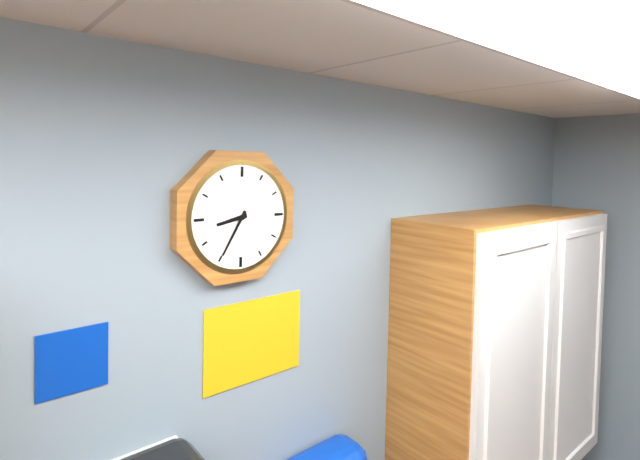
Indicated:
8.35
